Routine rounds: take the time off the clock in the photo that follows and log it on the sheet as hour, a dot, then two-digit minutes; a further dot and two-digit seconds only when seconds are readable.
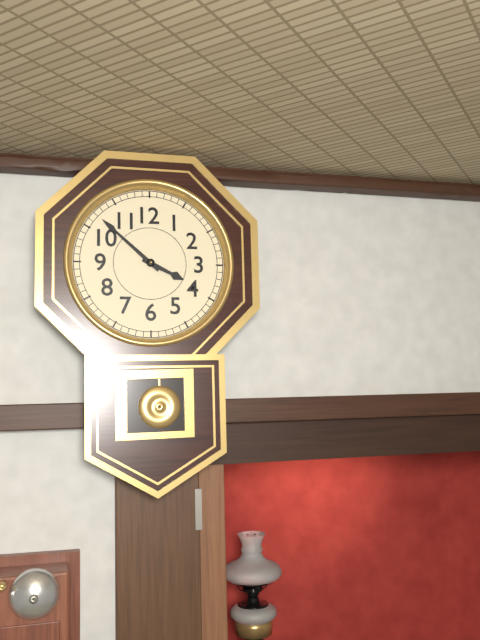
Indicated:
3.52
